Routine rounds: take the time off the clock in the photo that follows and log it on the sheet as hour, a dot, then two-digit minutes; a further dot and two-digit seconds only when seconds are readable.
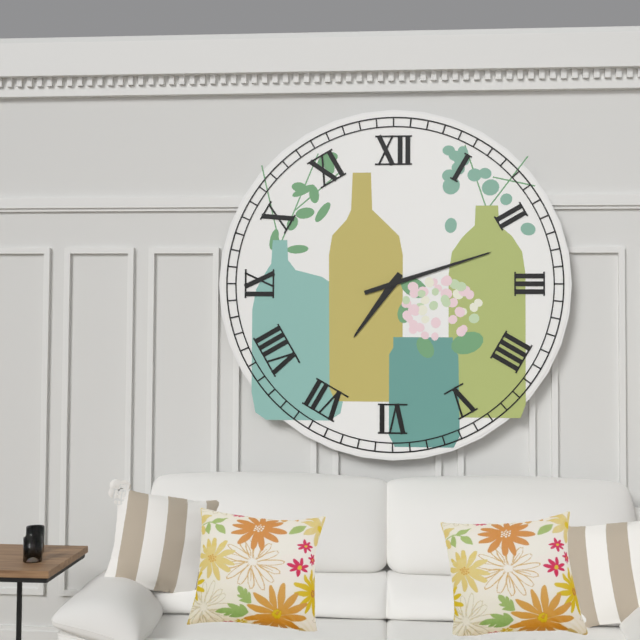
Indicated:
7.12
